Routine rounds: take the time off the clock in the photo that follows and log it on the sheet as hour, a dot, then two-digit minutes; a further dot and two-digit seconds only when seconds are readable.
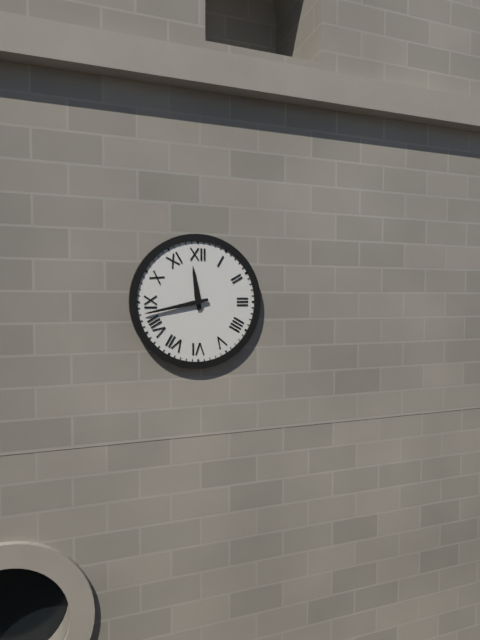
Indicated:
11.43
